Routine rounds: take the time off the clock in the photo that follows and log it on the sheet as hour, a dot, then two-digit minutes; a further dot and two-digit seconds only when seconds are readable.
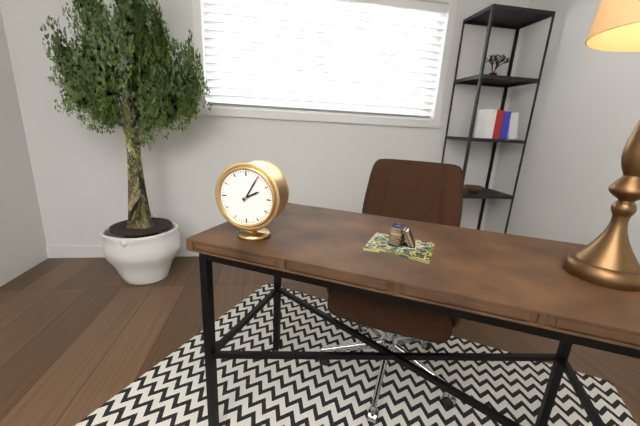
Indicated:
2.05
